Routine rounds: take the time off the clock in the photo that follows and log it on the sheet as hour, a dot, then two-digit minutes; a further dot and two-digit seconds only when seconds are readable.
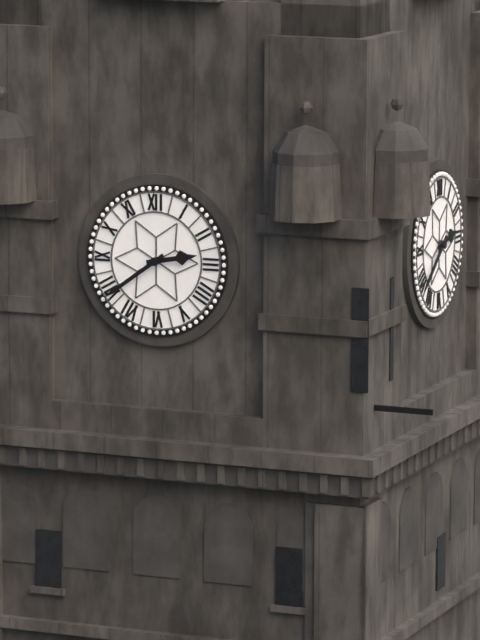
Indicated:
2.39
